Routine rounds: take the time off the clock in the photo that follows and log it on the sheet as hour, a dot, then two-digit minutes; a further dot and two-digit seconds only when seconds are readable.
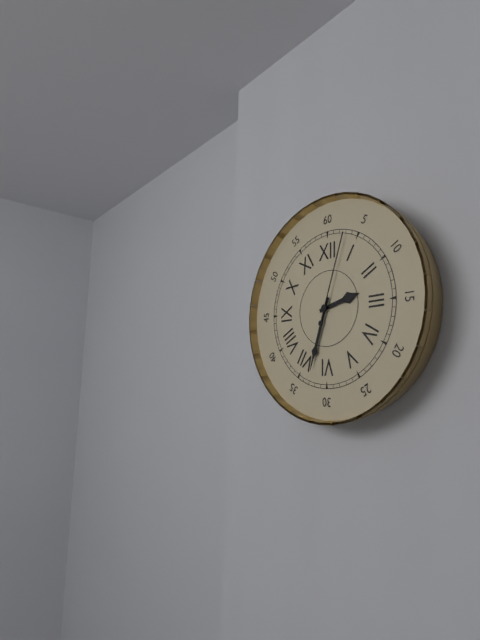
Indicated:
2.33.03
